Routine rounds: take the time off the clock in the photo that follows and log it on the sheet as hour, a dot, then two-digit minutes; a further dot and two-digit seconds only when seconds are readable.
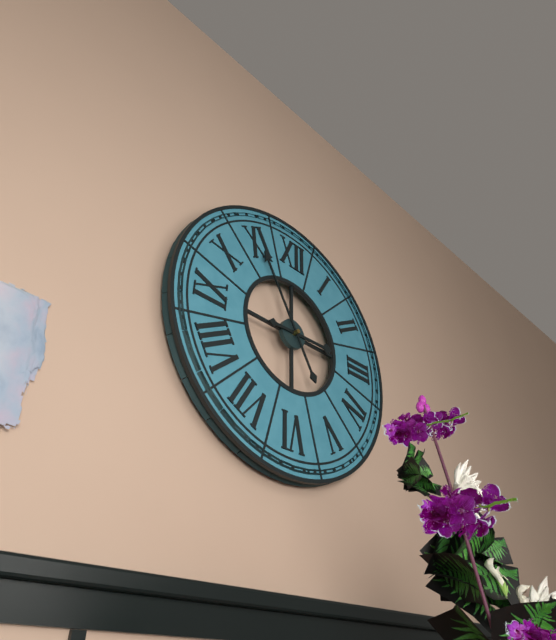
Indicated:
2.55
